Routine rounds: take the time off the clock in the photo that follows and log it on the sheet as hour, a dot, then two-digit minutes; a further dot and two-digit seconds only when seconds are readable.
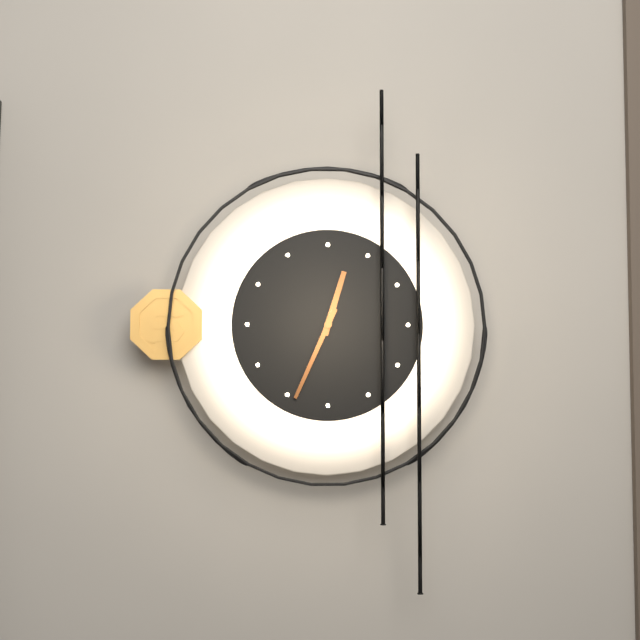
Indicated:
12.34
